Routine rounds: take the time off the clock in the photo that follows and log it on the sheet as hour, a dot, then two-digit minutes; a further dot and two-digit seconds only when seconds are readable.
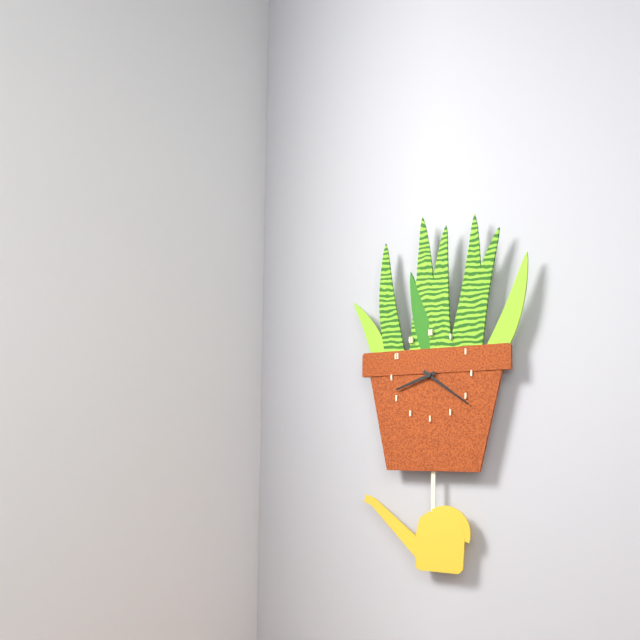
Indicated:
8.21
